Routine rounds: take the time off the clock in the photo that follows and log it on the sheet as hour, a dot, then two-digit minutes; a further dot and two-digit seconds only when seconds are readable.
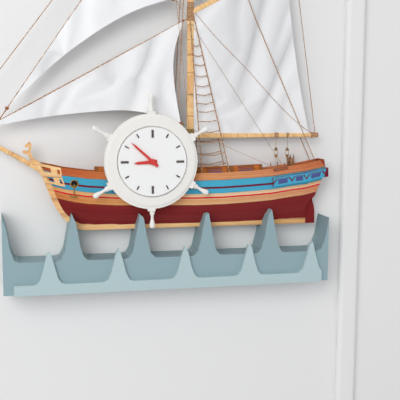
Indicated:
8.52
